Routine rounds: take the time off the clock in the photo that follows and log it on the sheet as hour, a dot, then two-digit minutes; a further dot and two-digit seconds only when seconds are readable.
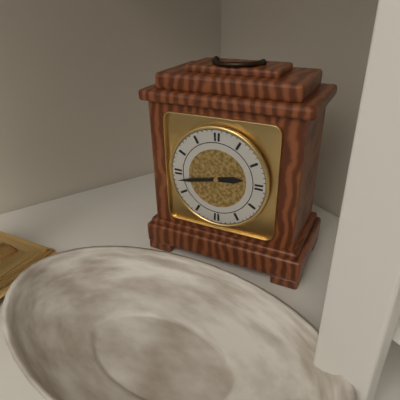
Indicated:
2.43
